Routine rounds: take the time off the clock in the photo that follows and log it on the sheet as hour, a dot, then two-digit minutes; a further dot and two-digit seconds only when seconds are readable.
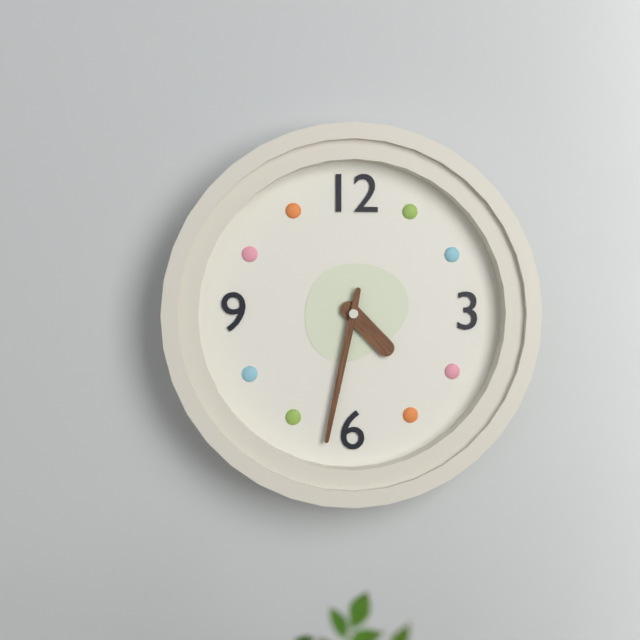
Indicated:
4.32
